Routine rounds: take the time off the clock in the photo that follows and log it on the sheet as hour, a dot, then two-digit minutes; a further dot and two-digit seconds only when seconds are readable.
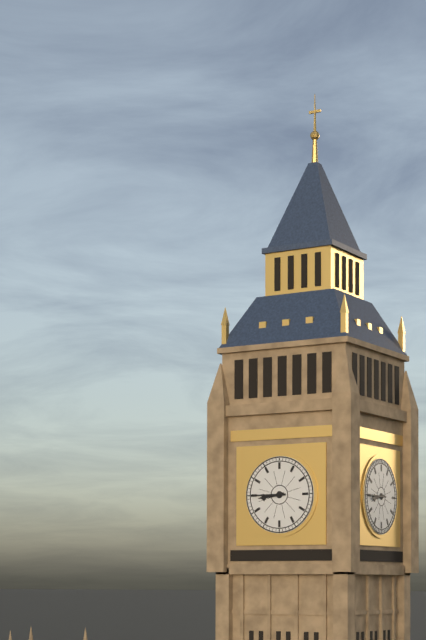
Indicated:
8.45
